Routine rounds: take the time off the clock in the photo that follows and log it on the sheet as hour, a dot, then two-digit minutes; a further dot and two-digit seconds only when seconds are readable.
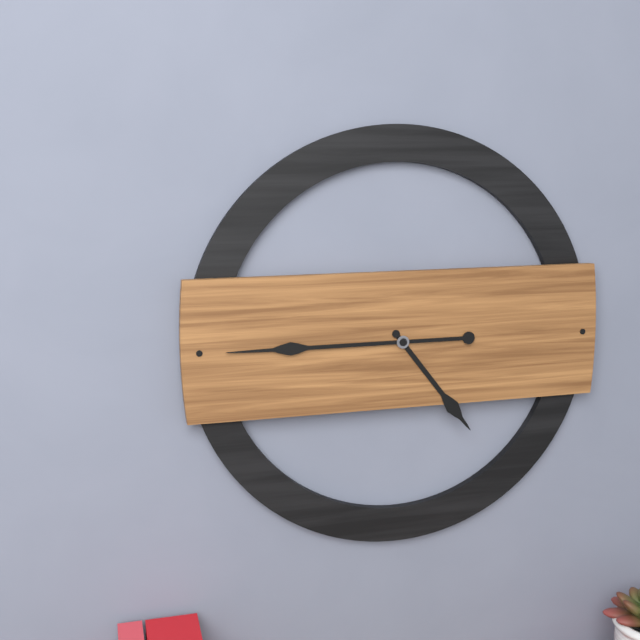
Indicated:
4.45
